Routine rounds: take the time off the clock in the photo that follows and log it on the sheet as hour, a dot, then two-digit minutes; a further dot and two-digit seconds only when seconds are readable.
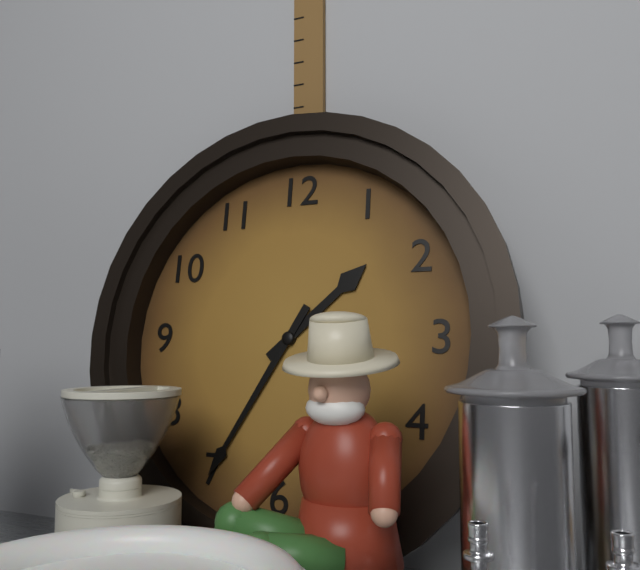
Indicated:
1.35
